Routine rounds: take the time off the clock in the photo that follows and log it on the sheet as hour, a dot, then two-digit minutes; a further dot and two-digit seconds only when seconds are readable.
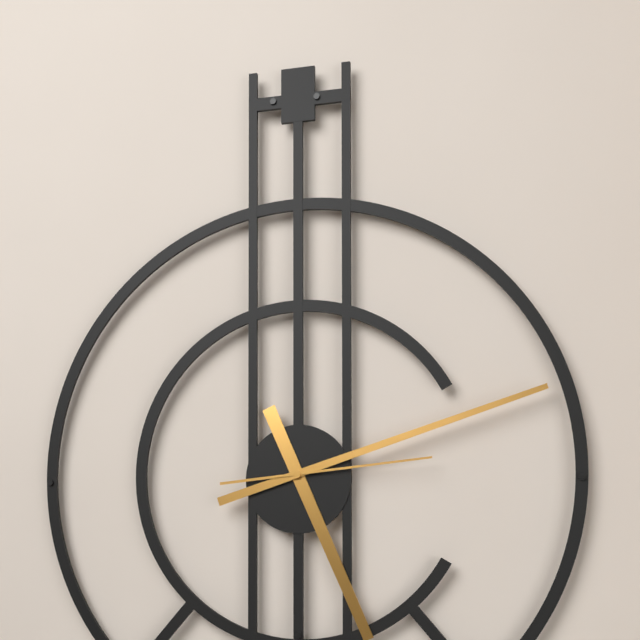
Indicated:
5.12.14
